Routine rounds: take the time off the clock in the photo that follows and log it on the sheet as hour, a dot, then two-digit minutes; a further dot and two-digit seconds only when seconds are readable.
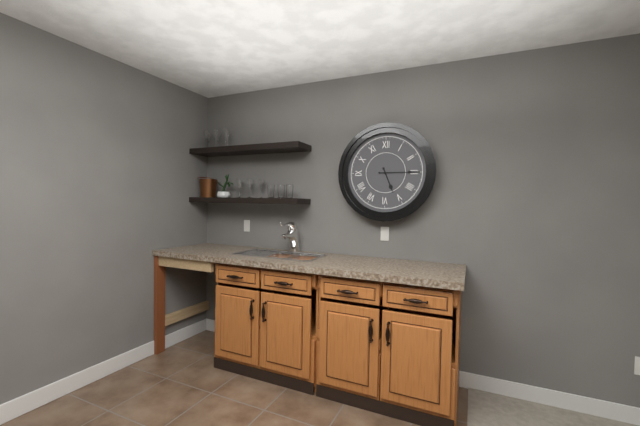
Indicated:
5.15
